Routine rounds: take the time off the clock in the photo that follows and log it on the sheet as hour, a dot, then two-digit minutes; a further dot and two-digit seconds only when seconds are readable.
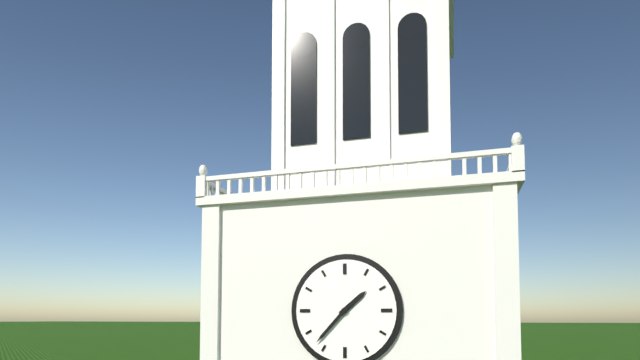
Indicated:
1.37
